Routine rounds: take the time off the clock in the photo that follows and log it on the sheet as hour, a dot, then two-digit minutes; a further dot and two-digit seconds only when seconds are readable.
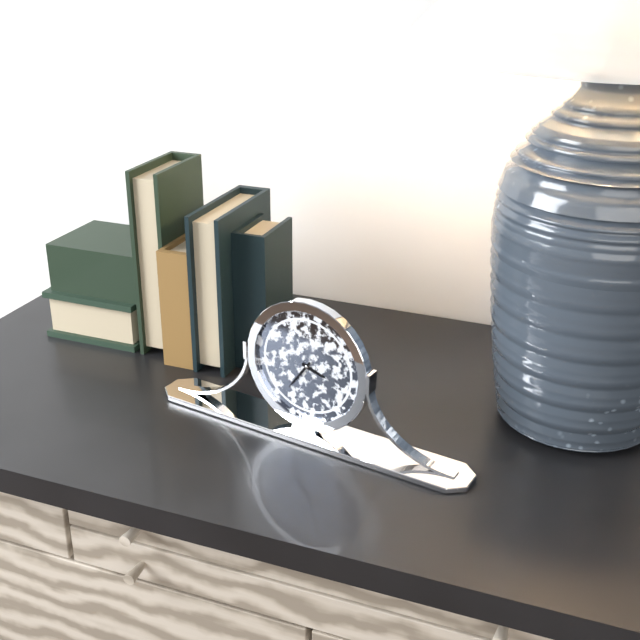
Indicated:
3.36
